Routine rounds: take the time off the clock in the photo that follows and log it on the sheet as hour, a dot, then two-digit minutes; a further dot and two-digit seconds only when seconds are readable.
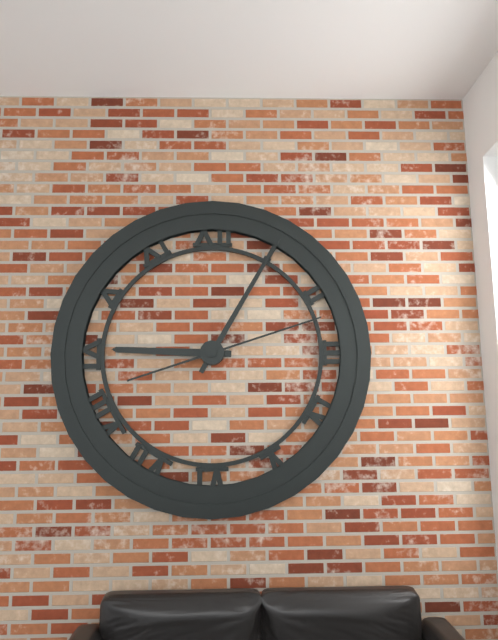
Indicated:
9.05.12
